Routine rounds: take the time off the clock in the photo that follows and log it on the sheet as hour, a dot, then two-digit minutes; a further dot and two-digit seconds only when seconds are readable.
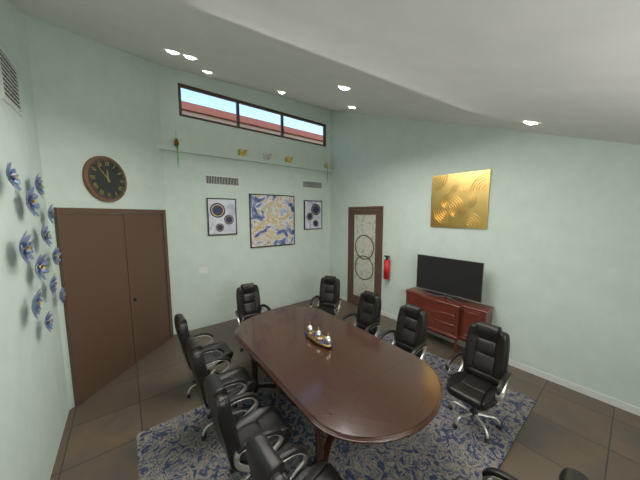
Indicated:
11.53
